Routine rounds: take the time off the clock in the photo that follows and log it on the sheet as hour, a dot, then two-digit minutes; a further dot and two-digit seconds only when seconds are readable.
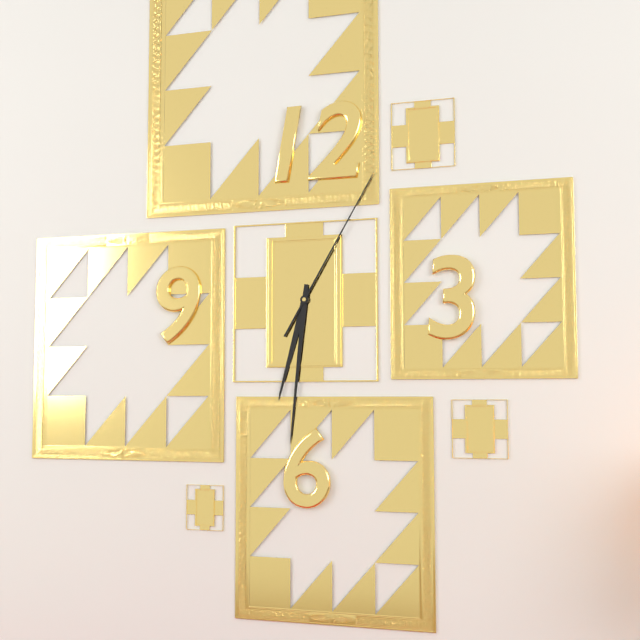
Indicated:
6.31.05
